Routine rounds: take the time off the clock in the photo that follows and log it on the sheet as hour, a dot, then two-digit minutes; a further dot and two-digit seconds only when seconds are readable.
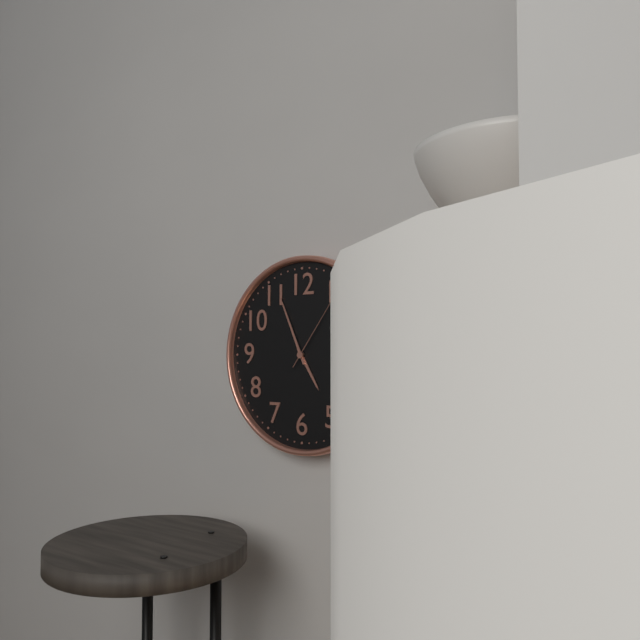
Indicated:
4.56.06
